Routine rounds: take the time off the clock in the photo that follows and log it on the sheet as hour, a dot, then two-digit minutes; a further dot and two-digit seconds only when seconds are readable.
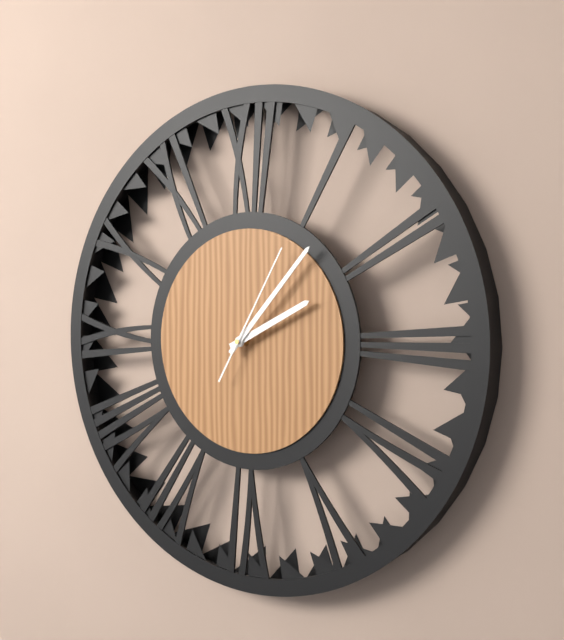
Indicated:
2.07.05
